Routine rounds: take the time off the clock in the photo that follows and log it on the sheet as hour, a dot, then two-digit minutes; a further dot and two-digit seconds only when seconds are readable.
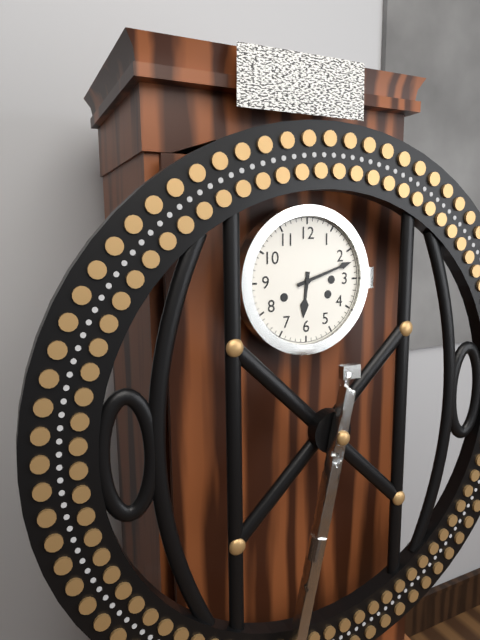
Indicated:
6.12
